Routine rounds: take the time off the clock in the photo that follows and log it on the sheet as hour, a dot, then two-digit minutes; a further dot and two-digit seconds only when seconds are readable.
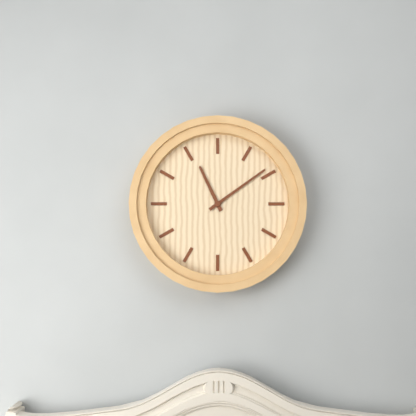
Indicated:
11.09
